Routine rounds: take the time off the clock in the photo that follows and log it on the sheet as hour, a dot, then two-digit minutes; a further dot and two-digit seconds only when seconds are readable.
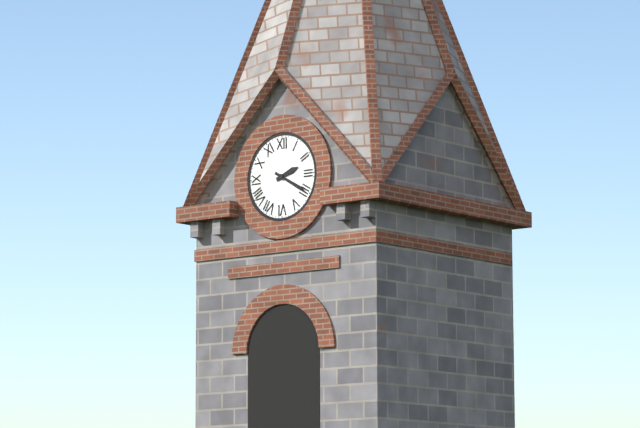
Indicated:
2.20
